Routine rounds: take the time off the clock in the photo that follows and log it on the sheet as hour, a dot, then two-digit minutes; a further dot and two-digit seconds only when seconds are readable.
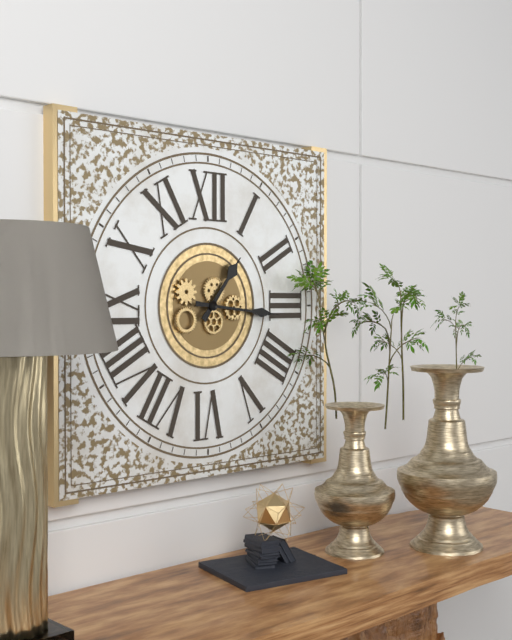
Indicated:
1.16
